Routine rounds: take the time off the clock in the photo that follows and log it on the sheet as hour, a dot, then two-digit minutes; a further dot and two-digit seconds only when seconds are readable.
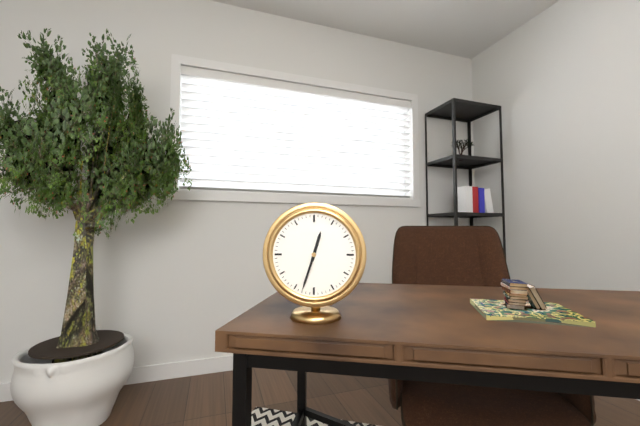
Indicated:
12.33
